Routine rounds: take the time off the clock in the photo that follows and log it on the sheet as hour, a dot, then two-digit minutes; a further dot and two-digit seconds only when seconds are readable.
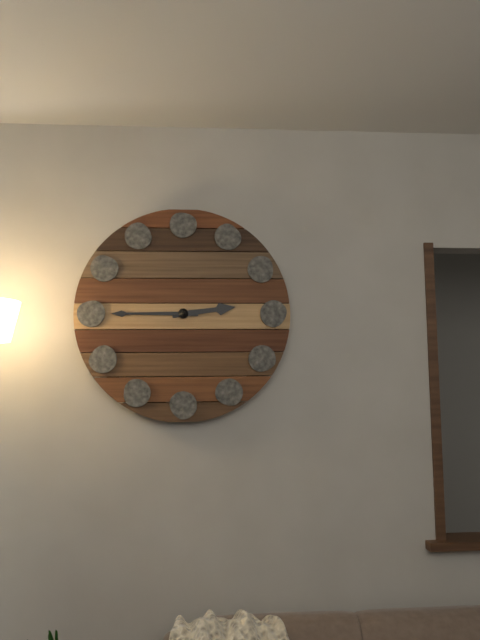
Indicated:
2.45
